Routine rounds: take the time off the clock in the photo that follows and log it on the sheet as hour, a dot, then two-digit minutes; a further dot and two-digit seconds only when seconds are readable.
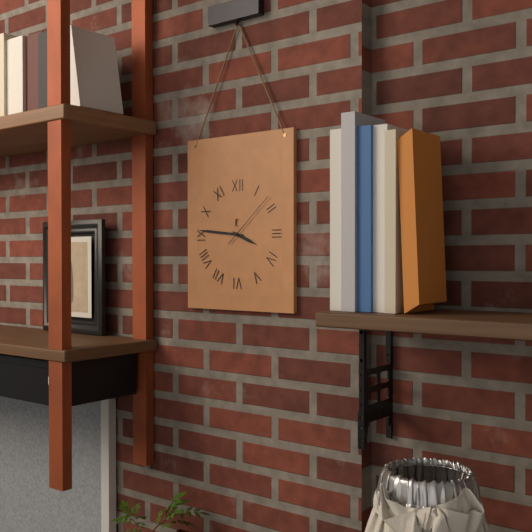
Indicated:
3.46.08
